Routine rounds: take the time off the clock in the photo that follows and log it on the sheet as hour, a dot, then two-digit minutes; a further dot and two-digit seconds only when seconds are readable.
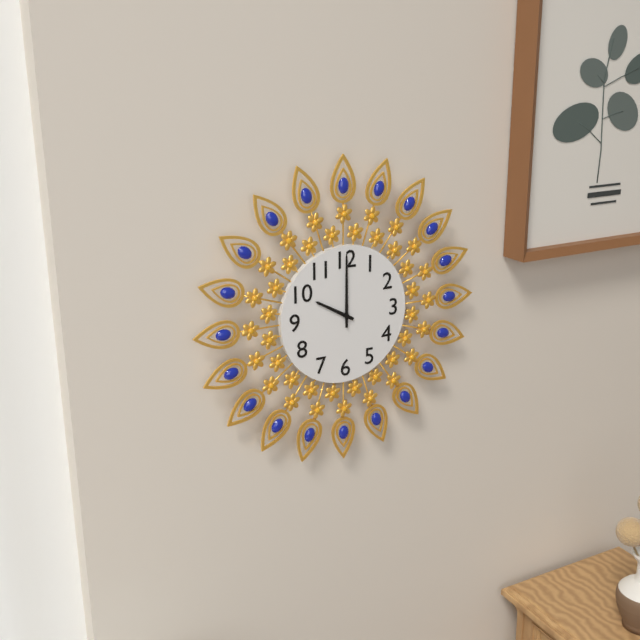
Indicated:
10.00
